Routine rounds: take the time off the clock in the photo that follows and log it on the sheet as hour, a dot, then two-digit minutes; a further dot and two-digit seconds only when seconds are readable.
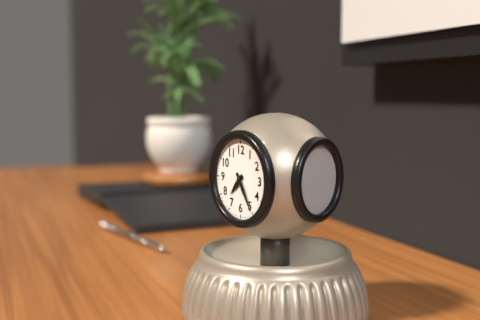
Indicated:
7.25
